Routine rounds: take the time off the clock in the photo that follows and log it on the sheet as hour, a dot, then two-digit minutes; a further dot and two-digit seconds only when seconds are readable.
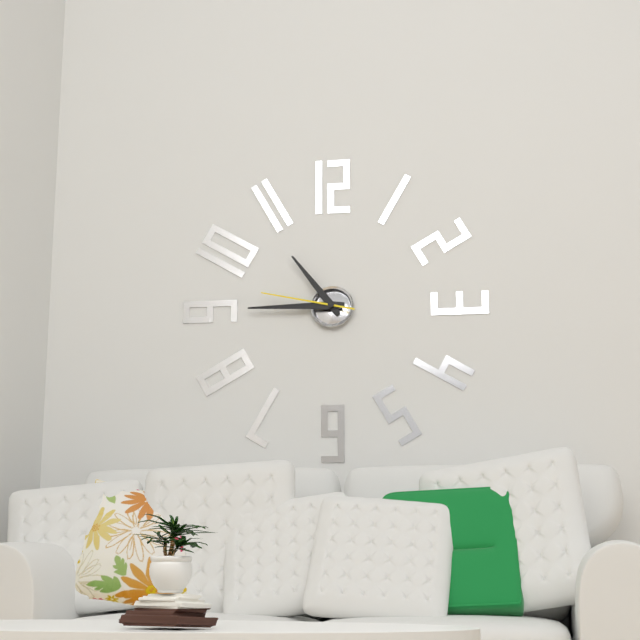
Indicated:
10.45.47
